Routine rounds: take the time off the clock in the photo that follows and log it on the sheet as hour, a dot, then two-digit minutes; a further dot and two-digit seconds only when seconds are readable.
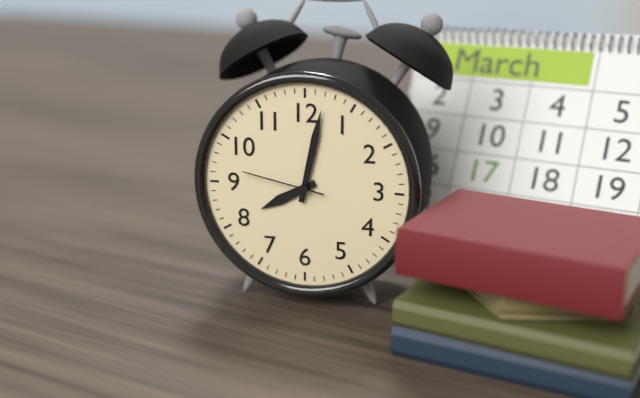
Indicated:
8.02.47
